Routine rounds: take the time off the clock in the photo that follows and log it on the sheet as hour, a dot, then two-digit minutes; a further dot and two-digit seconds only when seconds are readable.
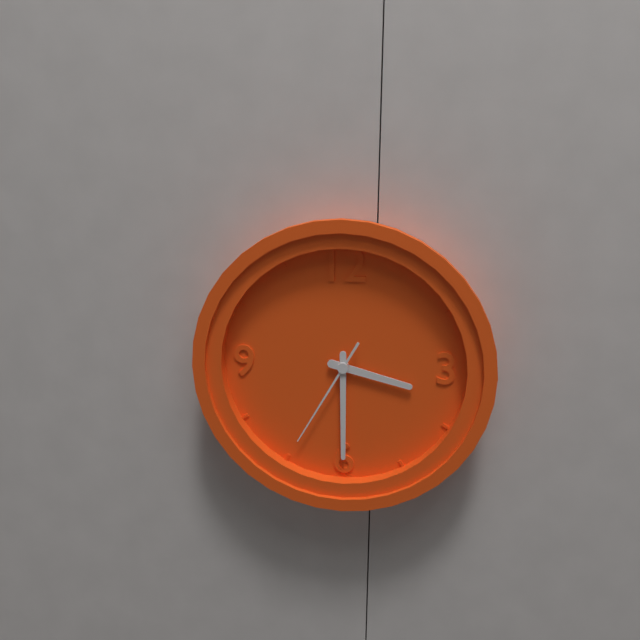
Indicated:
3.30.35
